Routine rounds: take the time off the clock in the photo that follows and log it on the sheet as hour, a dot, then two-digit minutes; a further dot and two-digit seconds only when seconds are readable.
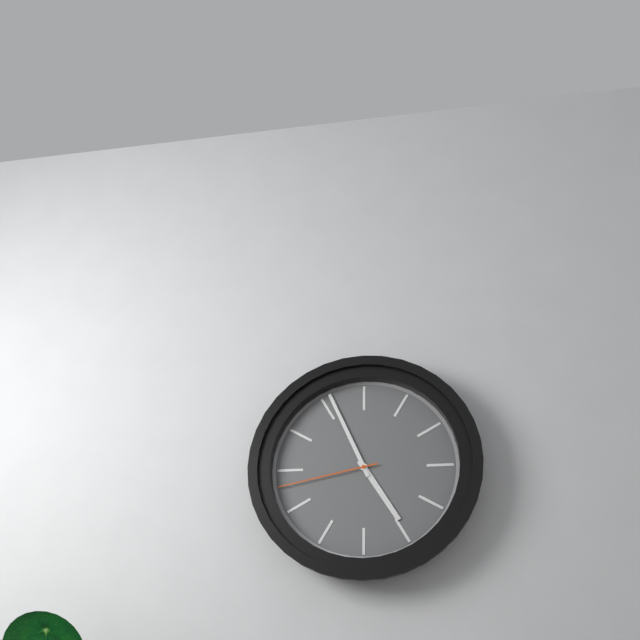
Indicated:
4.56.43
